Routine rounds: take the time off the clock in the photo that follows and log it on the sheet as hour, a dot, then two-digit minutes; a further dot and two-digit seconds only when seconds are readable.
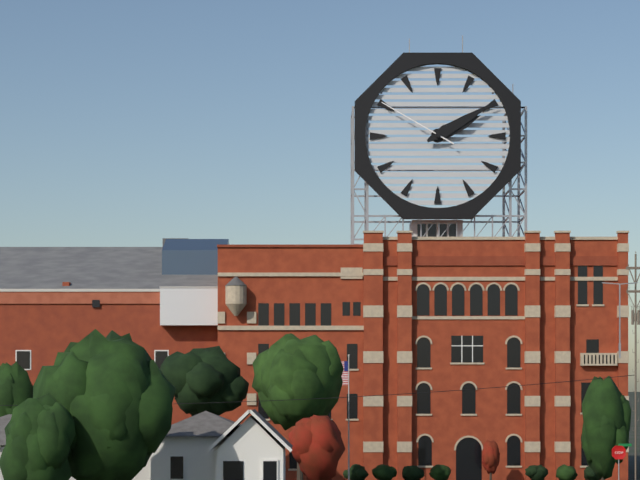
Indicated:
2.10.50
